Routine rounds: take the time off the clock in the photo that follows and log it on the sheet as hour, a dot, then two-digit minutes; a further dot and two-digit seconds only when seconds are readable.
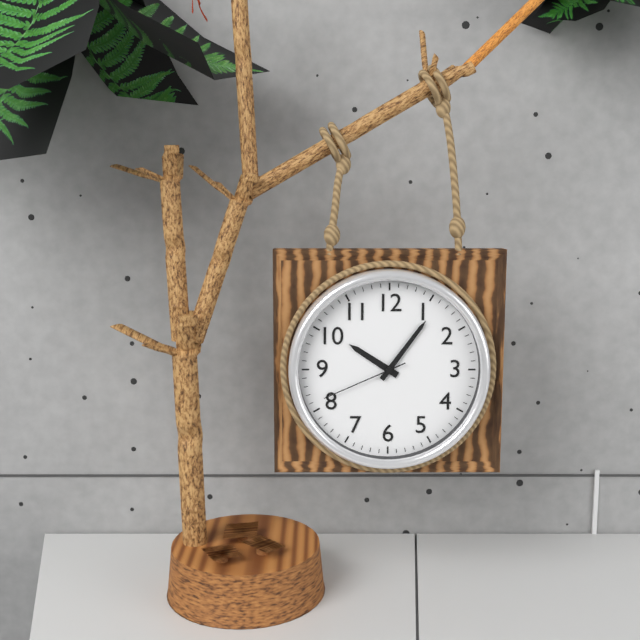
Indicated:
10.06.41
